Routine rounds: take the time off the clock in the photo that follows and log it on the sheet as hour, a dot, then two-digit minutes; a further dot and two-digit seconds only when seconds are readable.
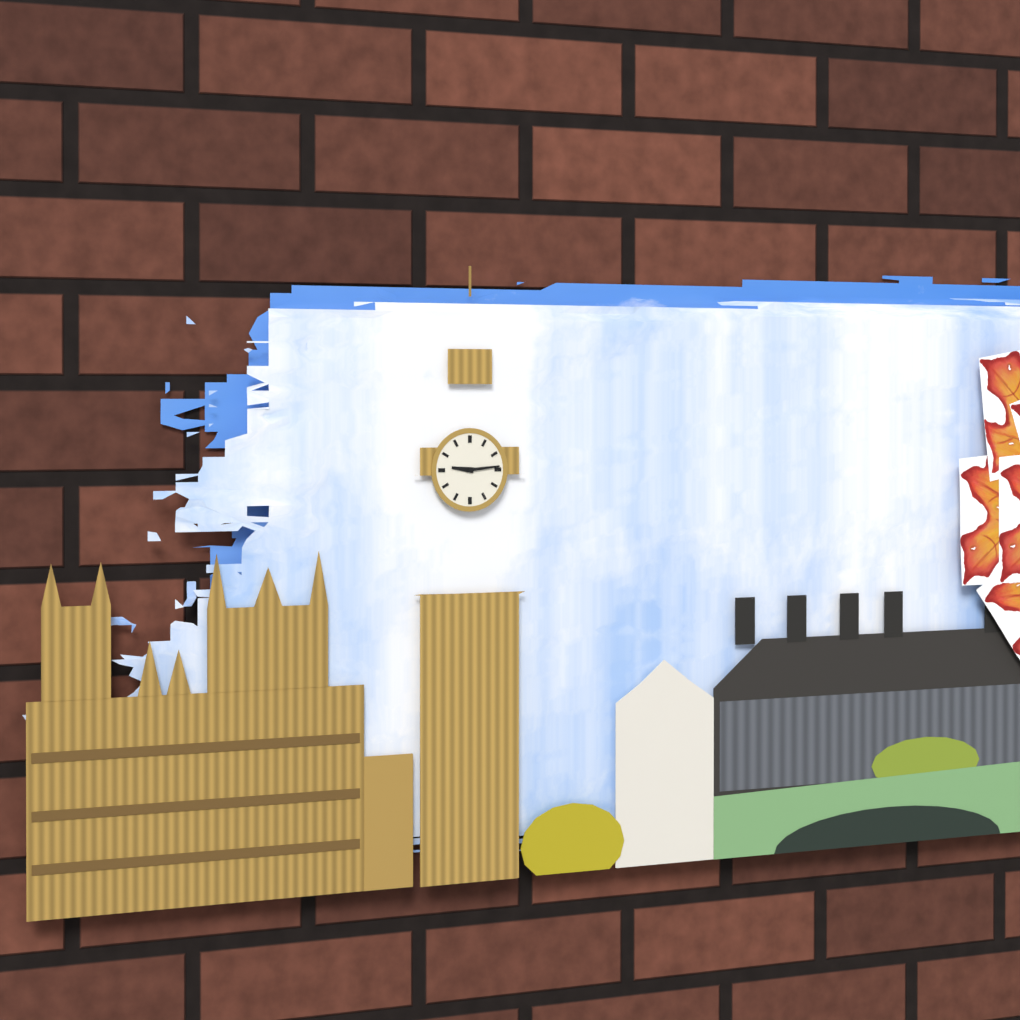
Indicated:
9.14
